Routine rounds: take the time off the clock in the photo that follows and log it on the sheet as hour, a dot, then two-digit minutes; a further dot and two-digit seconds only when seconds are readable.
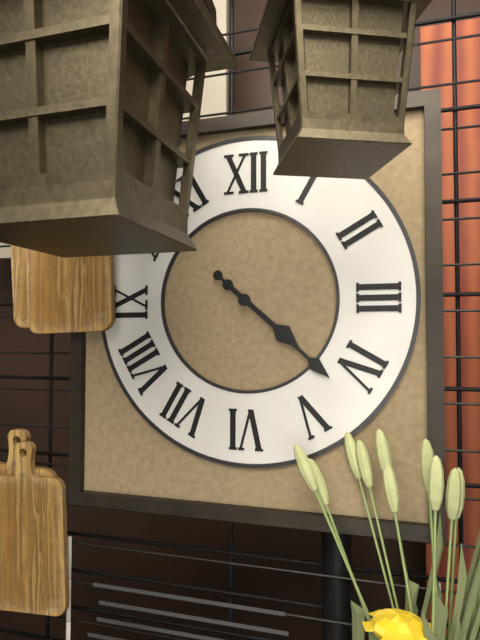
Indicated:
4.22
